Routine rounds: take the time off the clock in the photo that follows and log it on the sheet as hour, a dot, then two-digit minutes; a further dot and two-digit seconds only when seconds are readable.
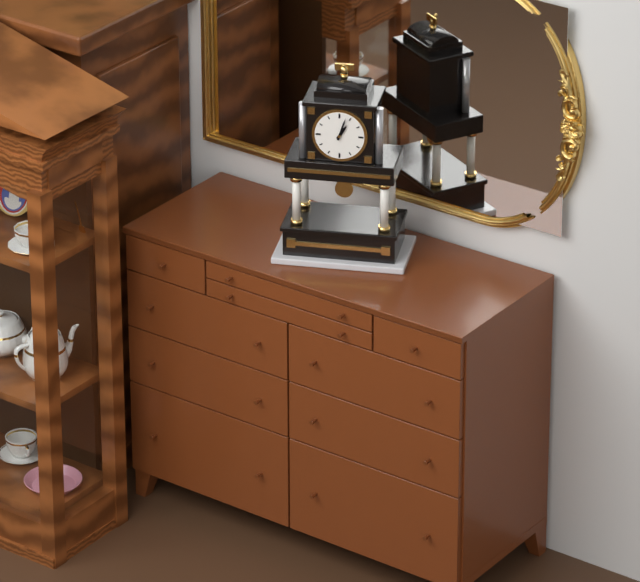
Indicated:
1.03
